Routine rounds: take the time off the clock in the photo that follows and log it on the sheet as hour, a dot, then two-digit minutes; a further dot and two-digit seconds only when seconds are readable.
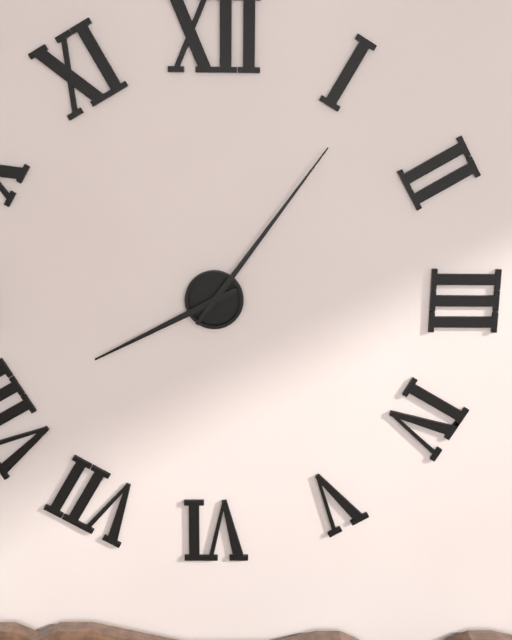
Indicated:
8.06
